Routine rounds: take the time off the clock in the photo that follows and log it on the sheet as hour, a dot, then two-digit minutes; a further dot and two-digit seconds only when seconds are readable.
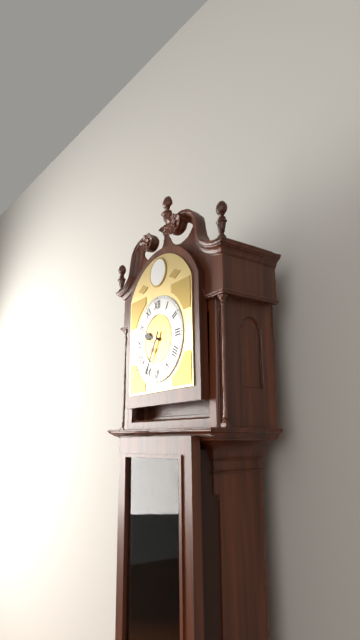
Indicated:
9.35
